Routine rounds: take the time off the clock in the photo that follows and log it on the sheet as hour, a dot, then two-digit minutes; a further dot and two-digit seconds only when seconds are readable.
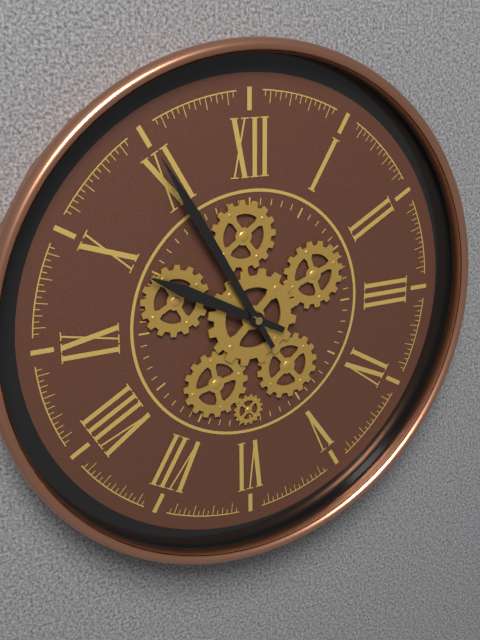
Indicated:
9.55
